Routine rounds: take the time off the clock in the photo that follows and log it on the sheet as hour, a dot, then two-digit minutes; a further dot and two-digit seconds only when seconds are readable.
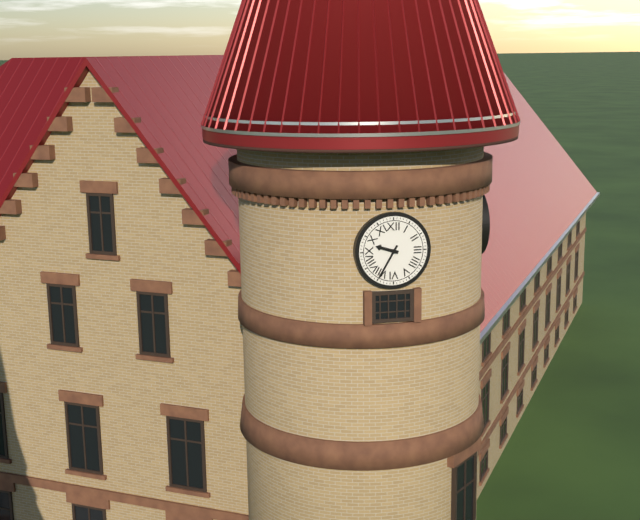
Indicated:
9.35
